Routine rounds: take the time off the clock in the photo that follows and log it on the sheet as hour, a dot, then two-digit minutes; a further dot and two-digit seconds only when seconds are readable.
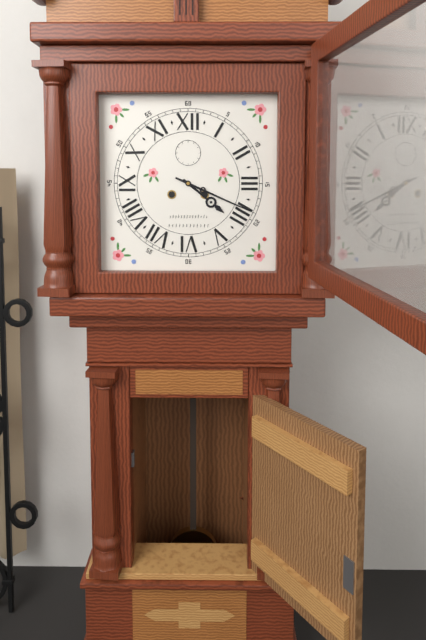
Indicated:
4.19
